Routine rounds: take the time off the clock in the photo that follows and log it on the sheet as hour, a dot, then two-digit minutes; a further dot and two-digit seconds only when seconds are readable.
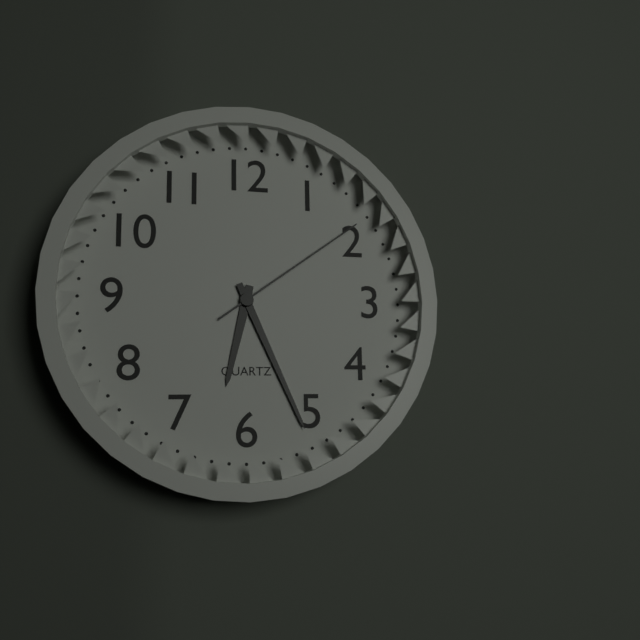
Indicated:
6.26.09
